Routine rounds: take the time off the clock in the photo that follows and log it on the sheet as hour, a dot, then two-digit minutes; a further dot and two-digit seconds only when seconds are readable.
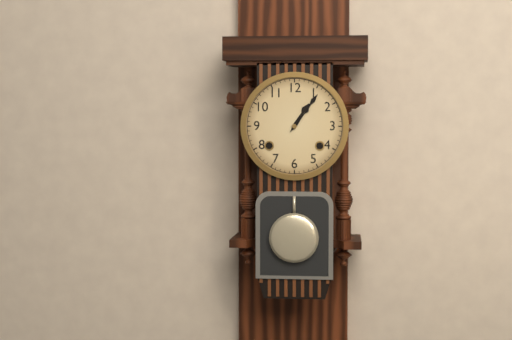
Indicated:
1.06
